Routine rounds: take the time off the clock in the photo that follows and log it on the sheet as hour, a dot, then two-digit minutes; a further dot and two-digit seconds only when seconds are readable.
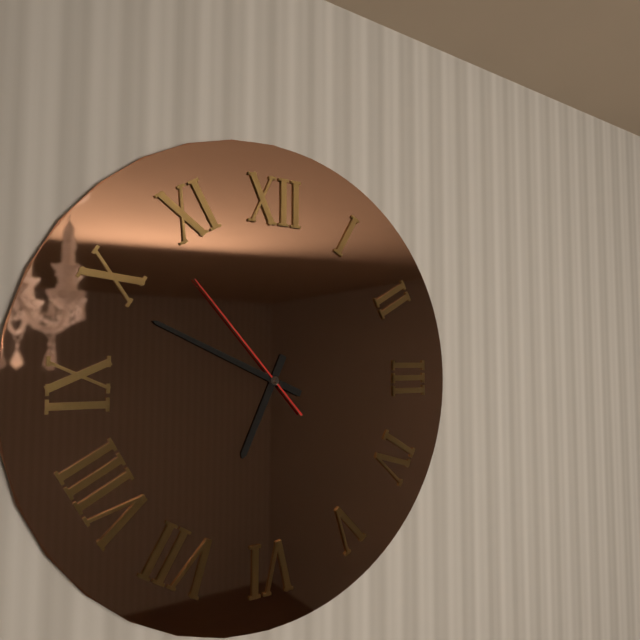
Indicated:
6.49.53
